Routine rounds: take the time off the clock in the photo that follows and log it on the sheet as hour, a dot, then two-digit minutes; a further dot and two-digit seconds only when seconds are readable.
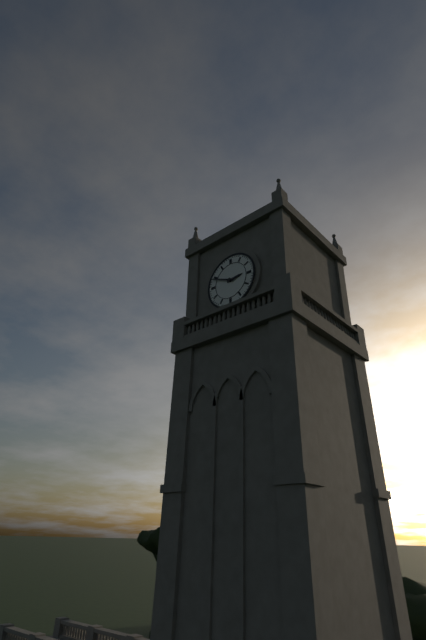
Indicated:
2.49
